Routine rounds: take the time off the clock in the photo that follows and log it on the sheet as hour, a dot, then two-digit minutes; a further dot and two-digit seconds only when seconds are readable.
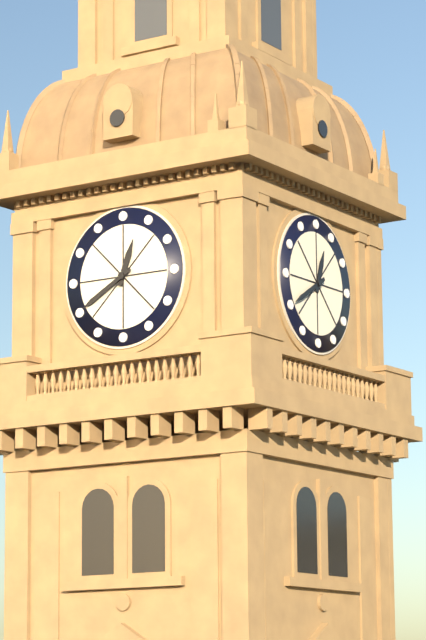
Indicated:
12.40
